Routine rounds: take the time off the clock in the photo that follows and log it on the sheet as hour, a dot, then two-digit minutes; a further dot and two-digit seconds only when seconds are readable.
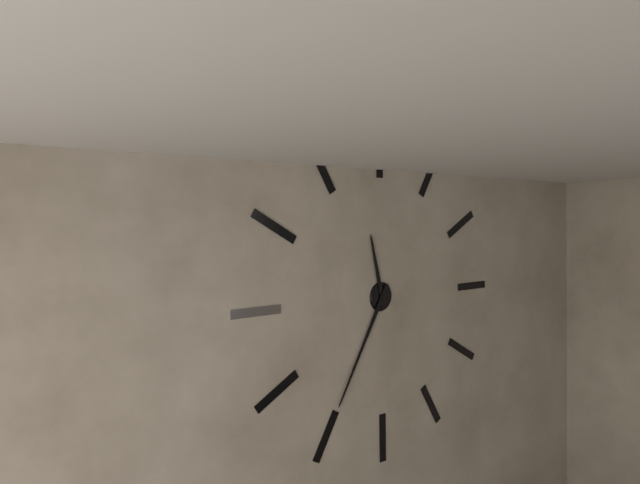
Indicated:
11.35
